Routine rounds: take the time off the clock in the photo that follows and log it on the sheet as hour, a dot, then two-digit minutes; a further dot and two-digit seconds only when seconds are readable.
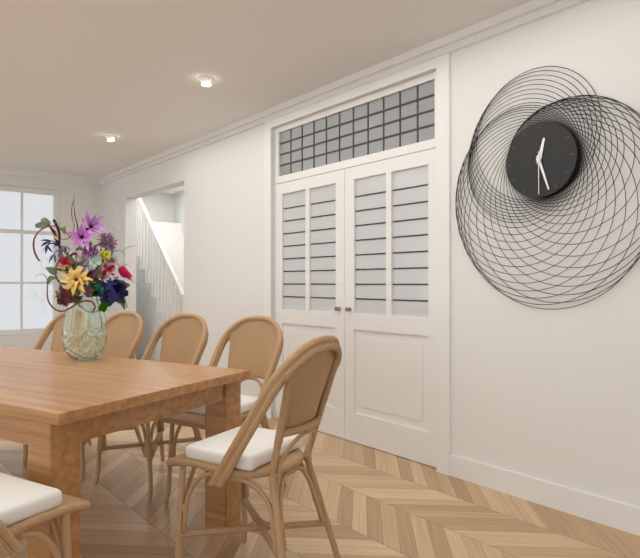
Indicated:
12.27
